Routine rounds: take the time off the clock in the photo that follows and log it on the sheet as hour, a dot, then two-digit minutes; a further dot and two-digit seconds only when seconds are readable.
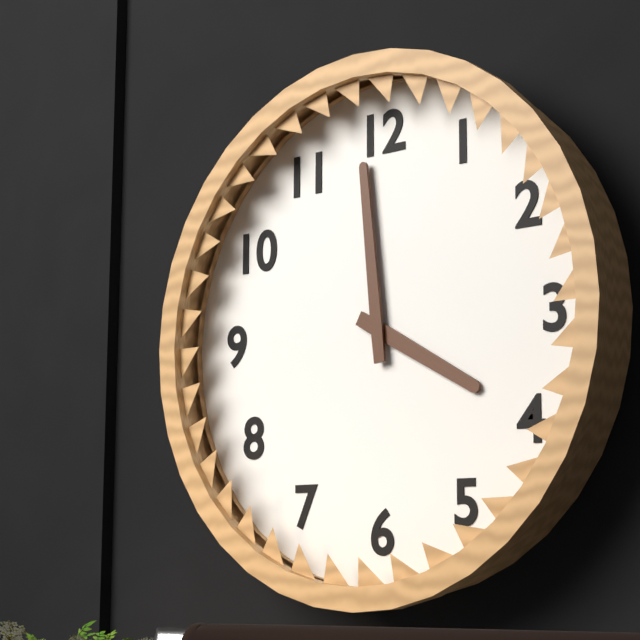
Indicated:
3.59
